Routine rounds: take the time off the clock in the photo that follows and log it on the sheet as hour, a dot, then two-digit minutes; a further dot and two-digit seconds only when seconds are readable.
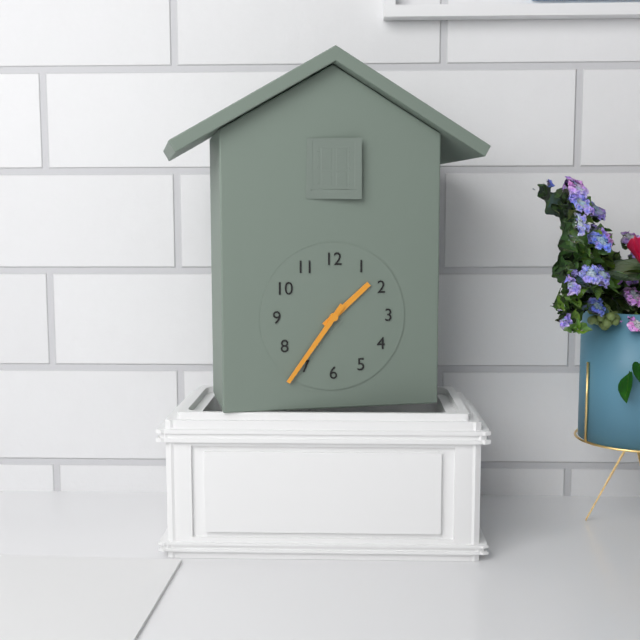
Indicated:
1.36
